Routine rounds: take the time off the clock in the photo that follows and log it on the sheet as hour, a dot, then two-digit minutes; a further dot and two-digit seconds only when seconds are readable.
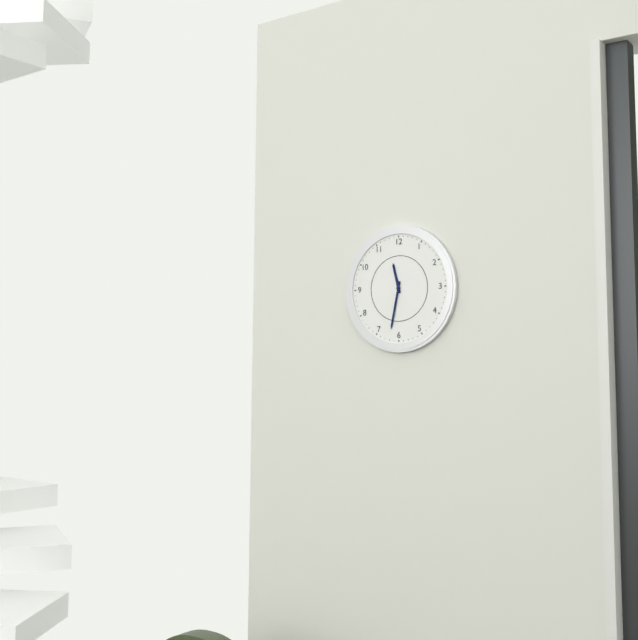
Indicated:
11.32
